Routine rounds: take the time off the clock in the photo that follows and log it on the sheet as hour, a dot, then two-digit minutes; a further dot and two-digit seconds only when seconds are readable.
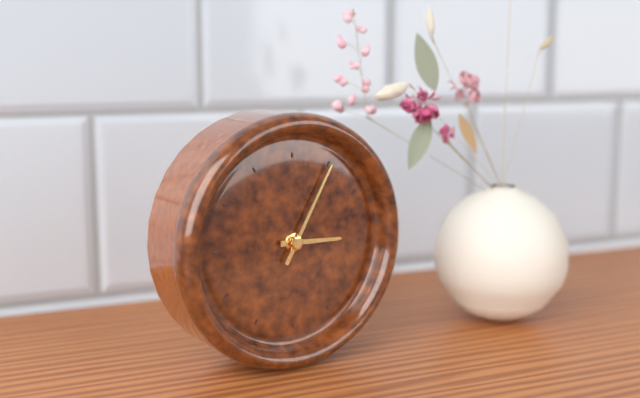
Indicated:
3.05
